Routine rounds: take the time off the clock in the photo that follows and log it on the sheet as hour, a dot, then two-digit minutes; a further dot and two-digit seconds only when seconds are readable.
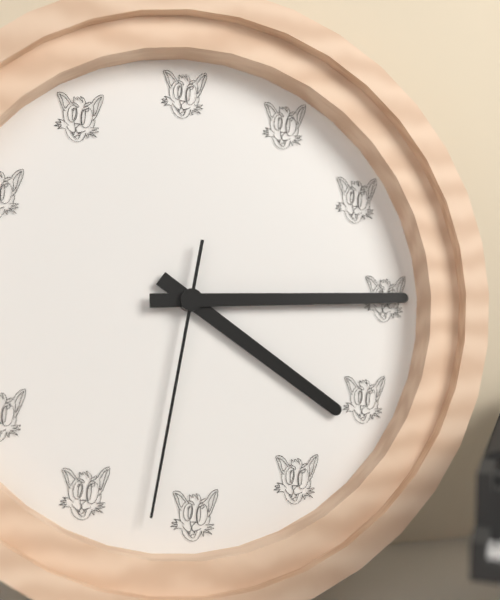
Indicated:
4.15.32
